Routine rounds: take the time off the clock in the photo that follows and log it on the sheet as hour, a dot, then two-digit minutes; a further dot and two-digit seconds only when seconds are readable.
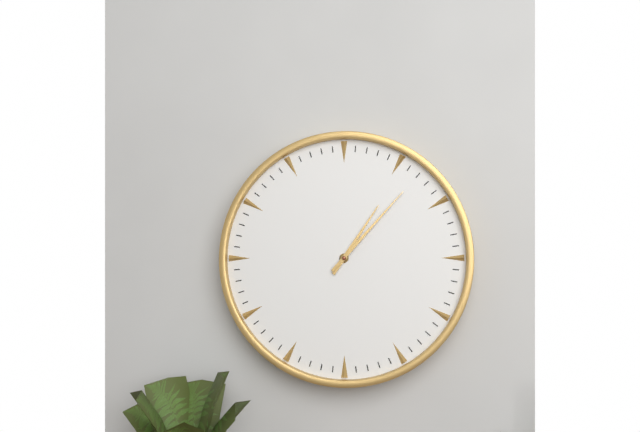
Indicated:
1.07
